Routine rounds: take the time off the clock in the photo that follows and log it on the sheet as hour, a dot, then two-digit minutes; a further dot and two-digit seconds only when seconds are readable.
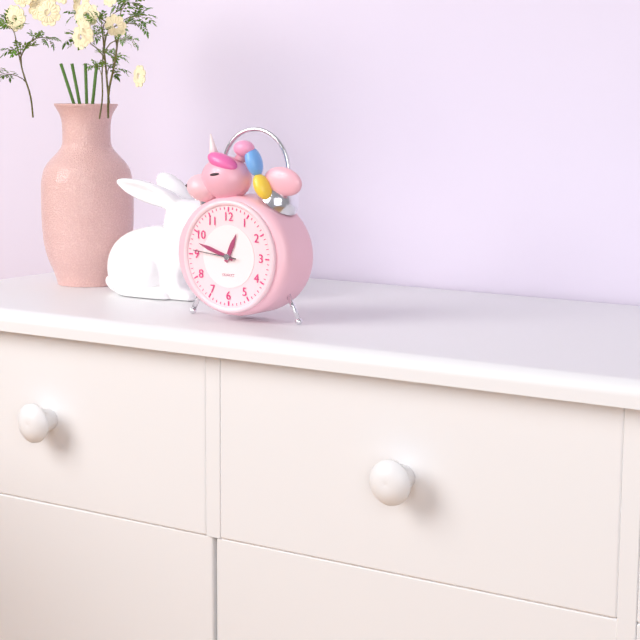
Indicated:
12.48
